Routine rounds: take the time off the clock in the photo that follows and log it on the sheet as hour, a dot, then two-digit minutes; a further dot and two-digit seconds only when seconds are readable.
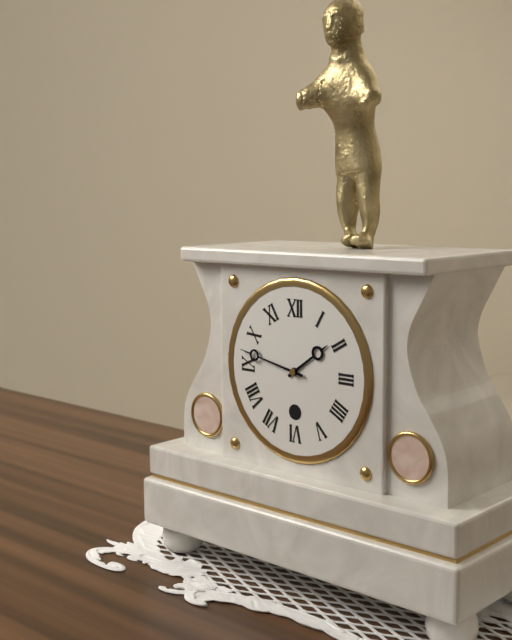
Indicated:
1.47
